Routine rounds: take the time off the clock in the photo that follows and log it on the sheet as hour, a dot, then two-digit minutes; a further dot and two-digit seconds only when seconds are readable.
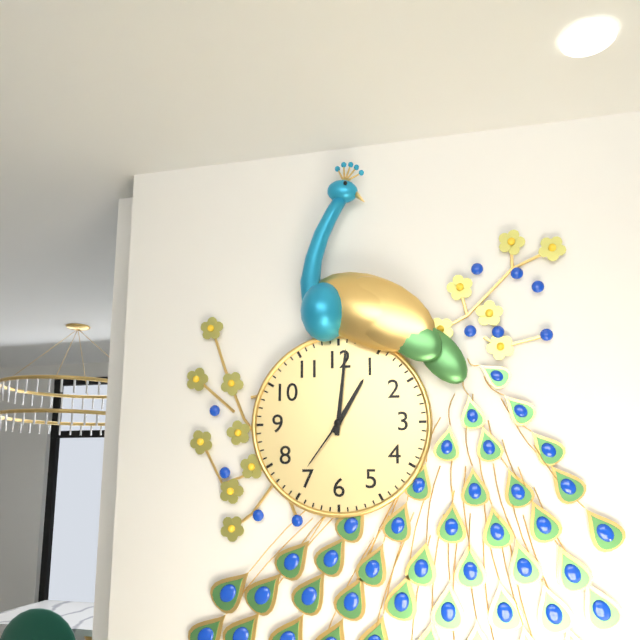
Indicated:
1.01.36
